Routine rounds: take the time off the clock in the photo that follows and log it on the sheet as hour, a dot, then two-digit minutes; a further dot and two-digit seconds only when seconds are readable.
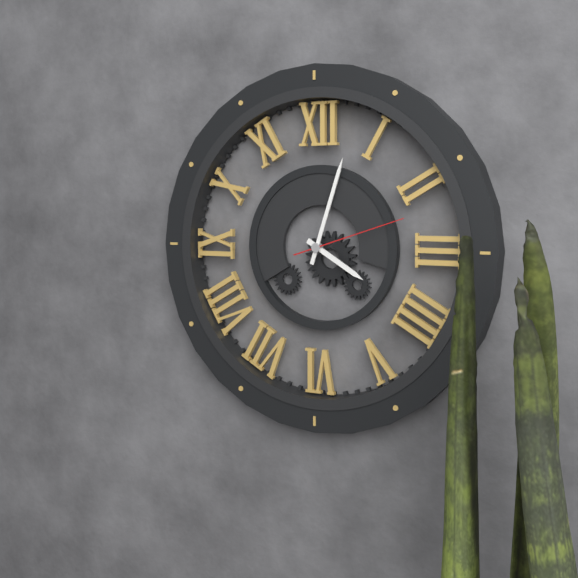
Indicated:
4.03.12
